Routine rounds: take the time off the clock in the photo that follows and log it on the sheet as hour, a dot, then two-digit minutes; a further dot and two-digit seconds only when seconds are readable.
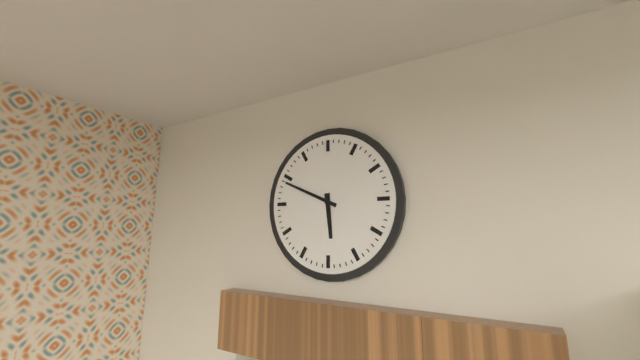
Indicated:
5.49
